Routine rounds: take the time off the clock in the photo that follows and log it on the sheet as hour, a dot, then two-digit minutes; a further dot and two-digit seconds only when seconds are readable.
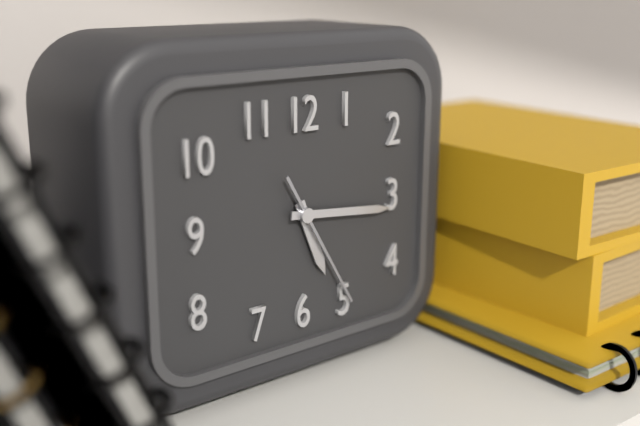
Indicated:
5.16.25
